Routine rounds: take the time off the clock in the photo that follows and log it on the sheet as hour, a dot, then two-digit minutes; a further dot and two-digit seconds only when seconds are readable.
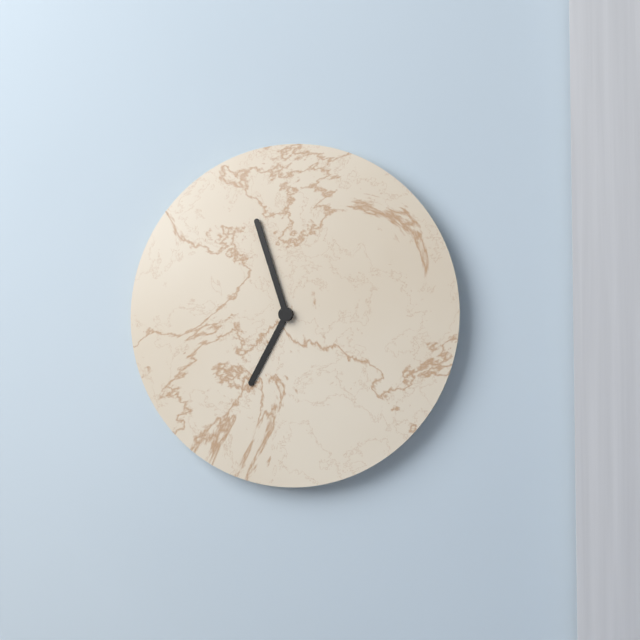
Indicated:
6.57
